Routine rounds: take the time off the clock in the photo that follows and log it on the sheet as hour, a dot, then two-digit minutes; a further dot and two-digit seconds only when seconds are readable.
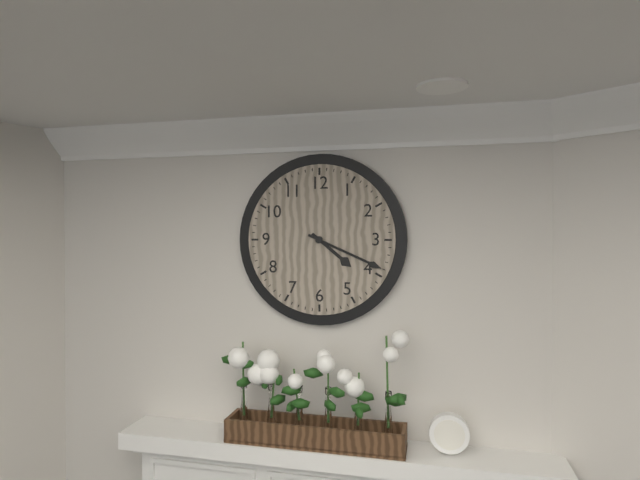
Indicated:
4.19
